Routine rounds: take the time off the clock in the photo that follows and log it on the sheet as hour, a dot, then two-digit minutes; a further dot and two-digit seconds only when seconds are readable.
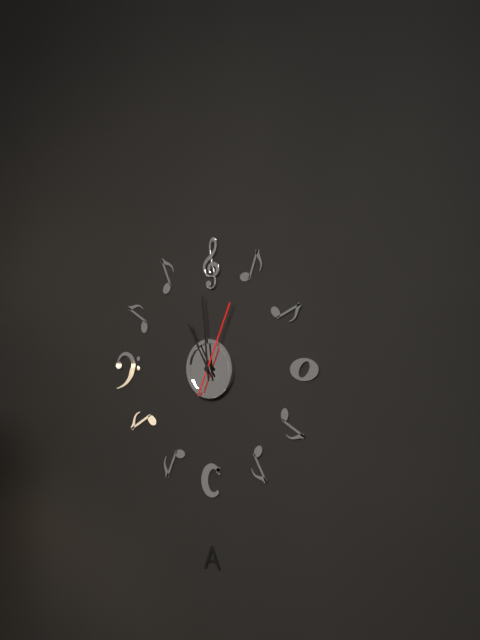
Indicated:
10.59.04
